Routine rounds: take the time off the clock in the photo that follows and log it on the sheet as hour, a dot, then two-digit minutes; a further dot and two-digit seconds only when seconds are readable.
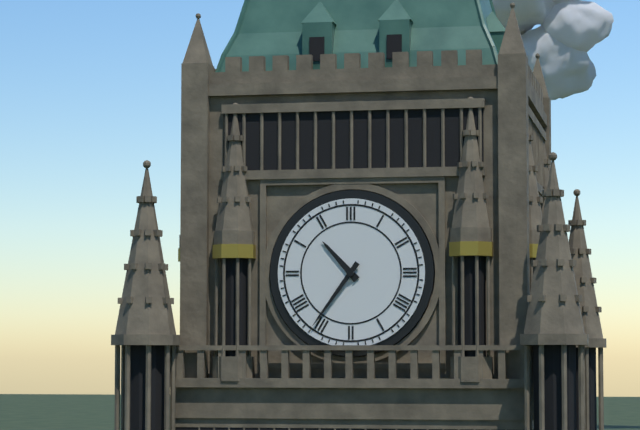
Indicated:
10.36
